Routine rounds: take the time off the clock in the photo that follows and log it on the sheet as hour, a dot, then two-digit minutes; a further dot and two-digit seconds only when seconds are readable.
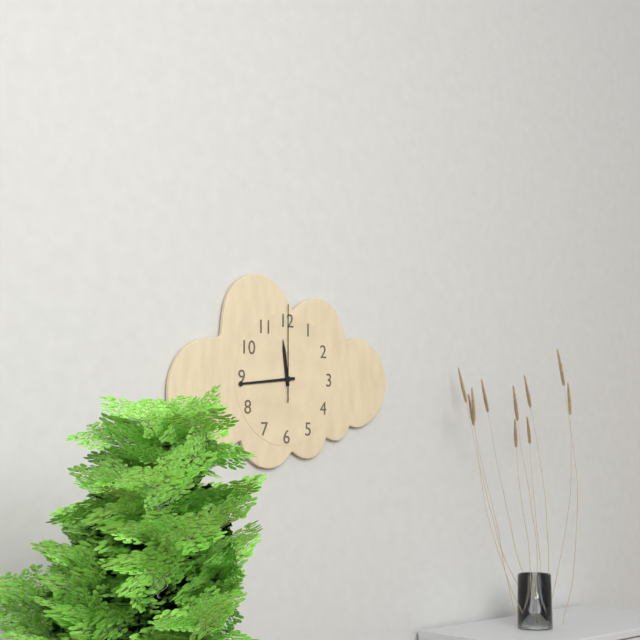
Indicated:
11.44.00
